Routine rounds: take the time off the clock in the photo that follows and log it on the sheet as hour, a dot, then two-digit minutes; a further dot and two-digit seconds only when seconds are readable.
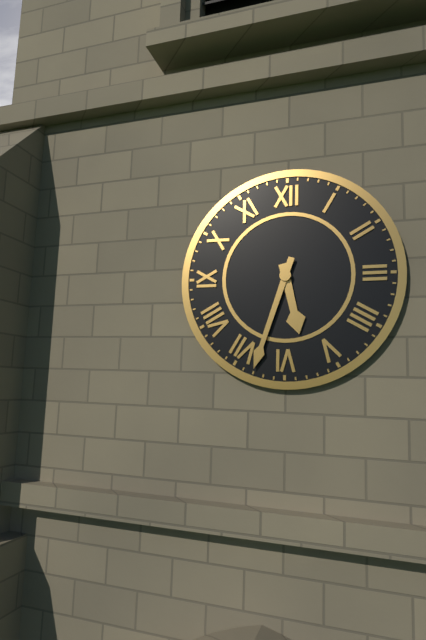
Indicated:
5.33
